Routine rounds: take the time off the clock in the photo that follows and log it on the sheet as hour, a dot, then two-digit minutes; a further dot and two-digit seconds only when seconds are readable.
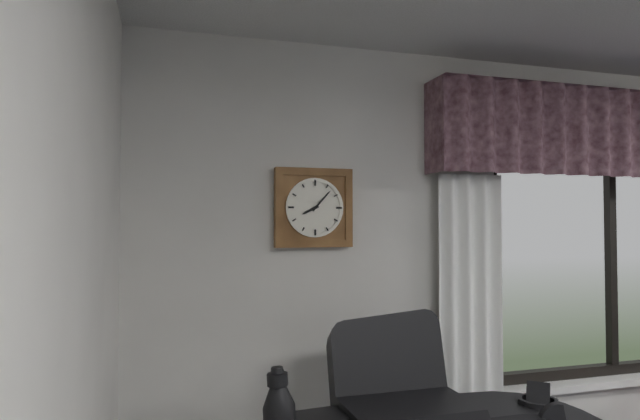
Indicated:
8.07
